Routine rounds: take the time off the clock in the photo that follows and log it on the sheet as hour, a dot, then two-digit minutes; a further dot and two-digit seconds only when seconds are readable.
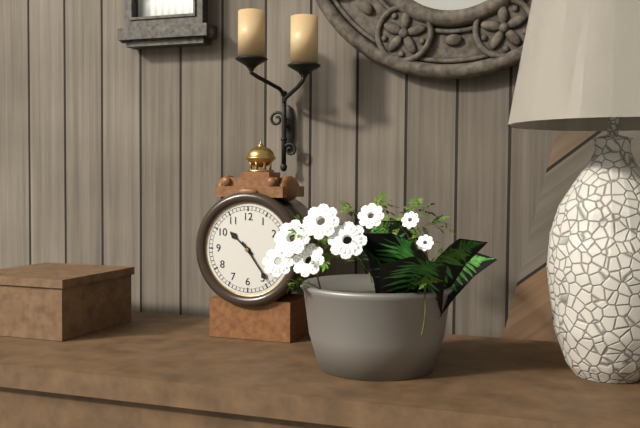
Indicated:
10.24
